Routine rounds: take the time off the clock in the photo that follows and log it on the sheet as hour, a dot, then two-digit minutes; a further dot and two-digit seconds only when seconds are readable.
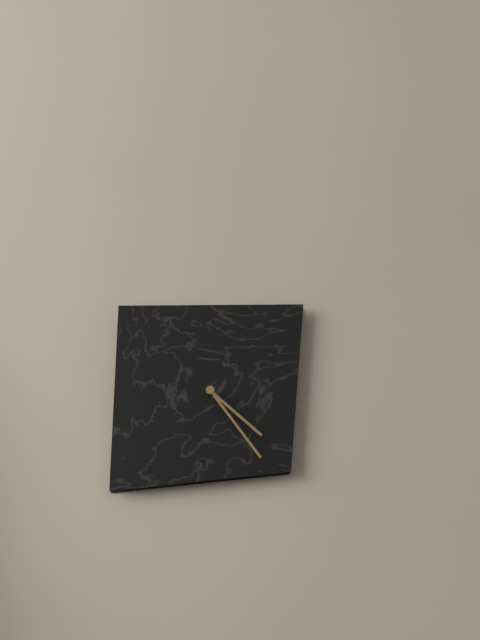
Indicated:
4.24
